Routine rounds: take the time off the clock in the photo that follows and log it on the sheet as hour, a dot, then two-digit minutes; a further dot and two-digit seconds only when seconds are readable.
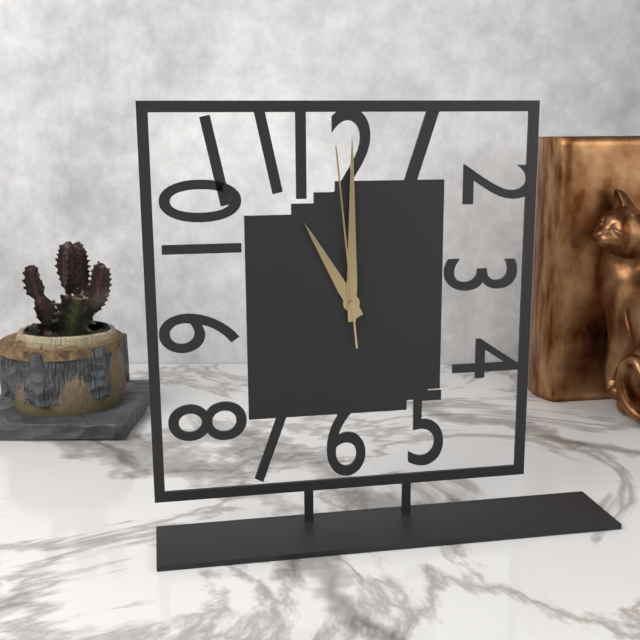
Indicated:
11.00.59
